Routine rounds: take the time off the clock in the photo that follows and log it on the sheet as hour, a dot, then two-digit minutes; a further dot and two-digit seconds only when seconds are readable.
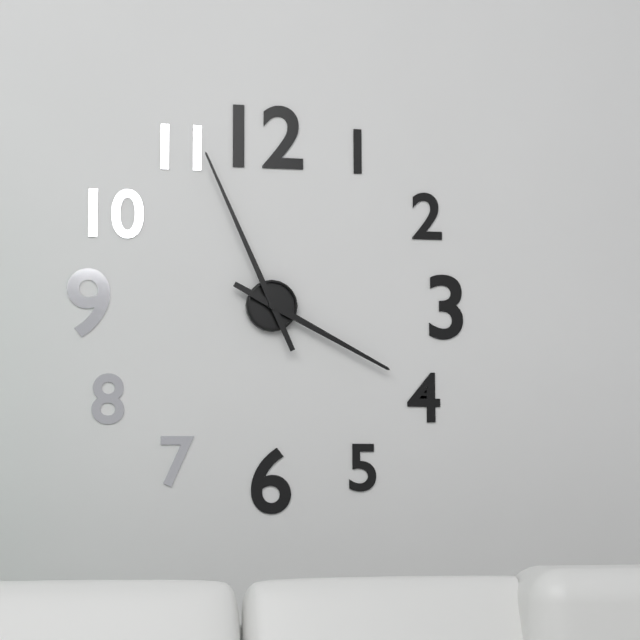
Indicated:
3.56
